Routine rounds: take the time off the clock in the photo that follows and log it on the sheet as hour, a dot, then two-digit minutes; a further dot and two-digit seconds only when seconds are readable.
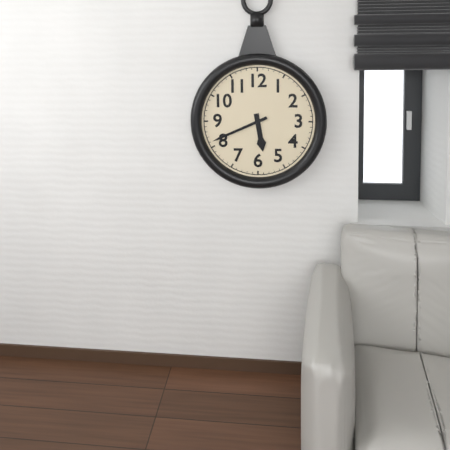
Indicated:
5.41
